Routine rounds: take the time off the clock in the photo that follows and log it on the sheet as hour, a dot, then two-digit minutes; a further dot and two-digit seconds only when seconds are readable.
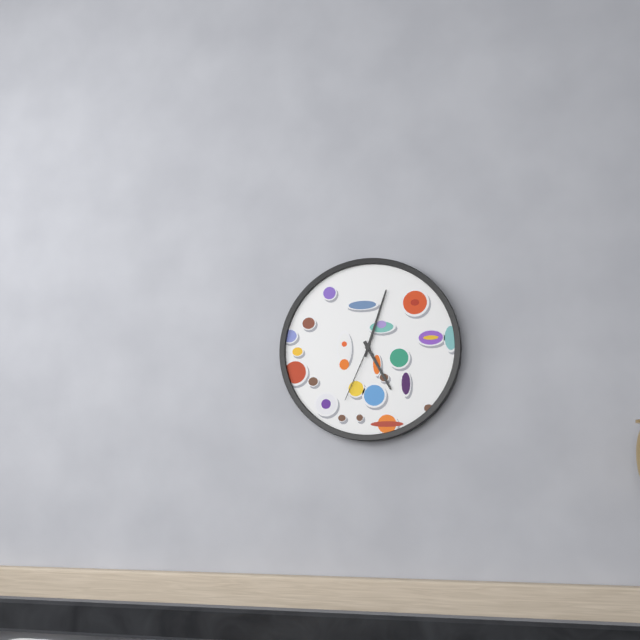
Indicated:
5.03.34
